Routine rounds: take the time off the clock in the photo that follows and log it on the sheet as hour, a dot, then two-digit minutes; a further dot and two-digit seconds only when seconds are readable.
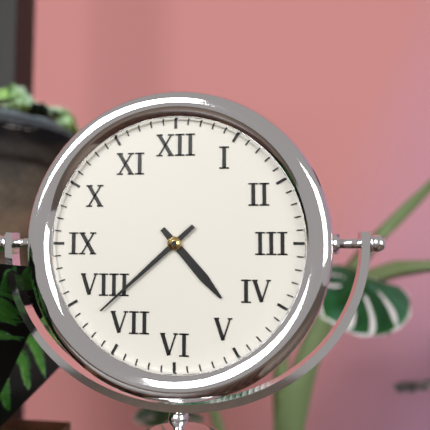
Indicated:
4.38
